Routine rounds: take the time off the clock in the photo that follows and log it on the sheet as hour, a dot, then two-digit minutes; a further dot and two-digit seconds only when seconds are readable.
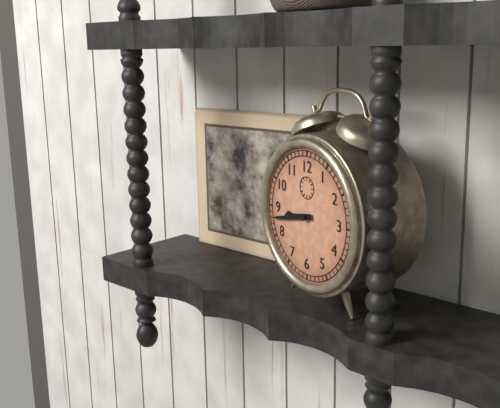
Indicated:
8.43
